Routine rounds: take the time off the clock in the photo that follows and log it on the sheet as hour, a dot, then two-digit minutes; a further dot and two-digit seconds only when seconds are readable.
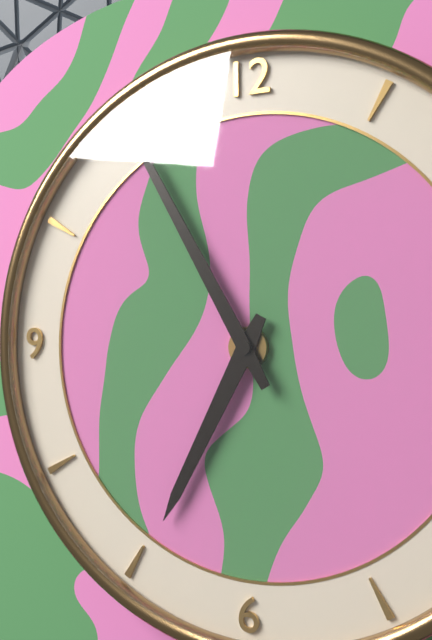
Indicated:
6.55
